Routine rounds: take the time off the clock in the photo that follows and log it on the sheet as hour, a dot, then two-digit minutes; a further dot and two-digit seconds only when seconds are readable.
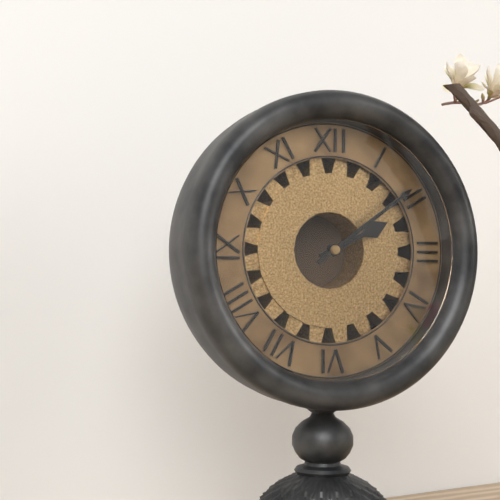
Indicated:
2.09
